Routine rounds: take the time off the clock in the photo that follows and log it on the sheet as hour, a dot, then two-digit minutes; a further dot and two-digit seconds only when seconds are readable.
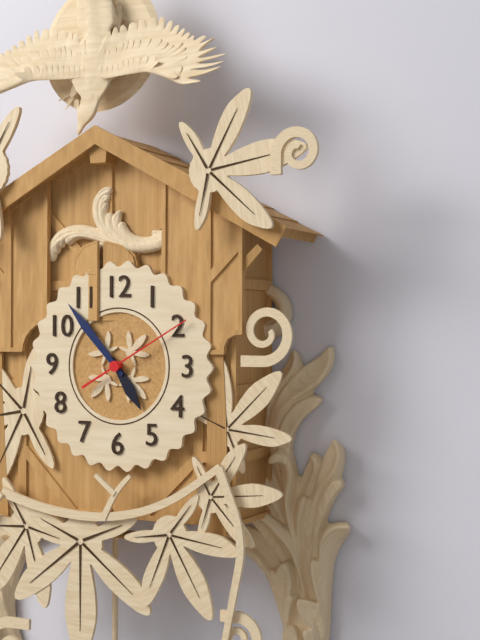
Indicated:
4.53.10
